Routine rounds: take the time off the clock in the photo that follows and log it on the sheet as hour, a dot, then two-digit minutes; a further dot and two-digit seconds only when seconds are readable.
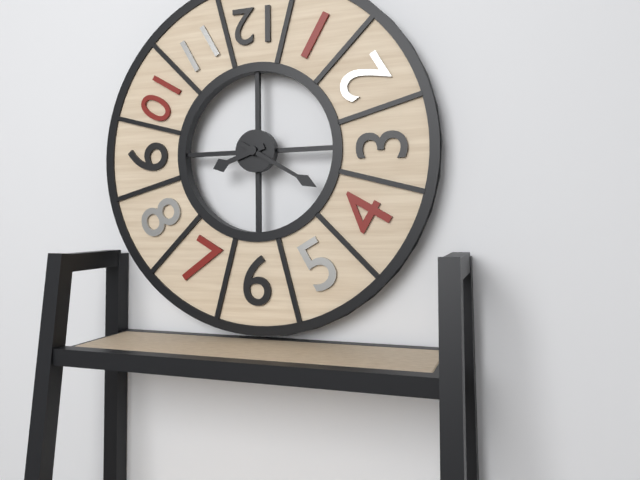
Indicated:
8.20
